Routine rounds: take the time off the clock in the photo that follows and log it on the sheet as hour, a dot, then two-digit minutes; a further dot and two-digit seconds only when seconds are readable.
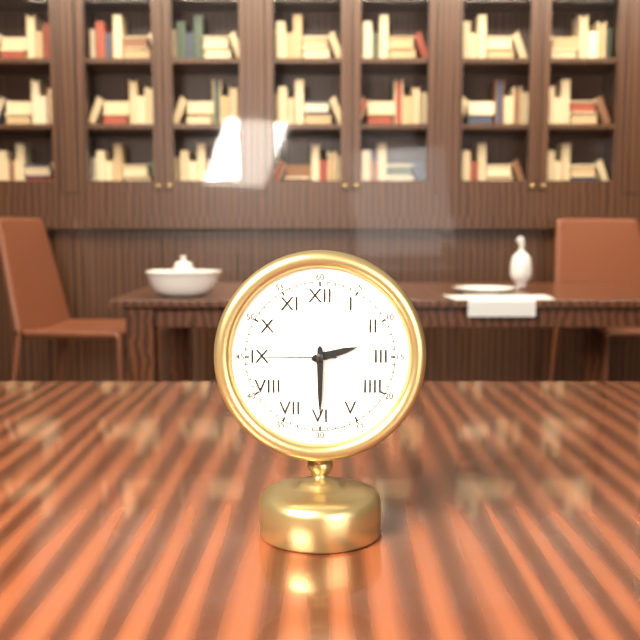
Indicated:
2.30.45
